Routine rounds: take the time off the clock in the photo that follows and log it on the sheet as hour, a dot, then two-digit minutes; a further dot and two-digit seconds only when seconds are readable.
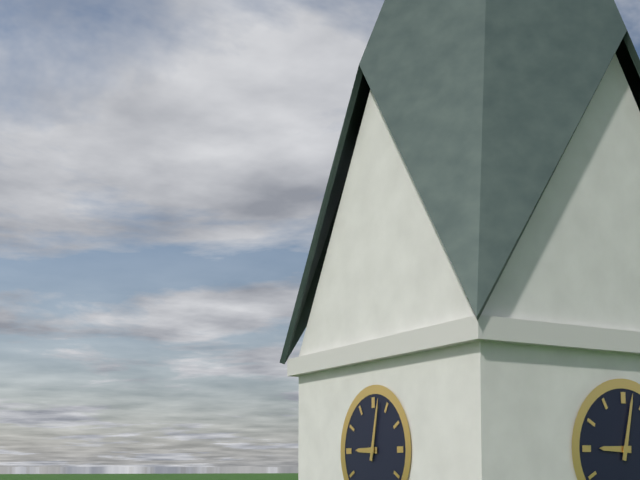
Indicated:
9.02
